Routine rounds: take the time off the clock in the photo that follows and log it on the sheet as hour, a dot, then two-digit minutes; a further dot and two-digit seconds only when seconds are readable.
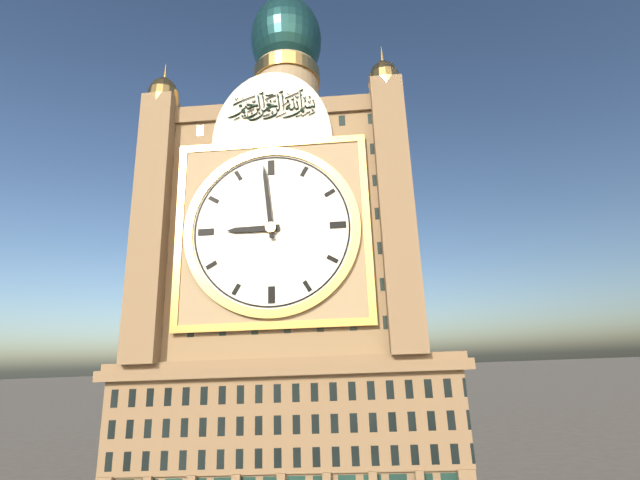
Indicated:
8.59
